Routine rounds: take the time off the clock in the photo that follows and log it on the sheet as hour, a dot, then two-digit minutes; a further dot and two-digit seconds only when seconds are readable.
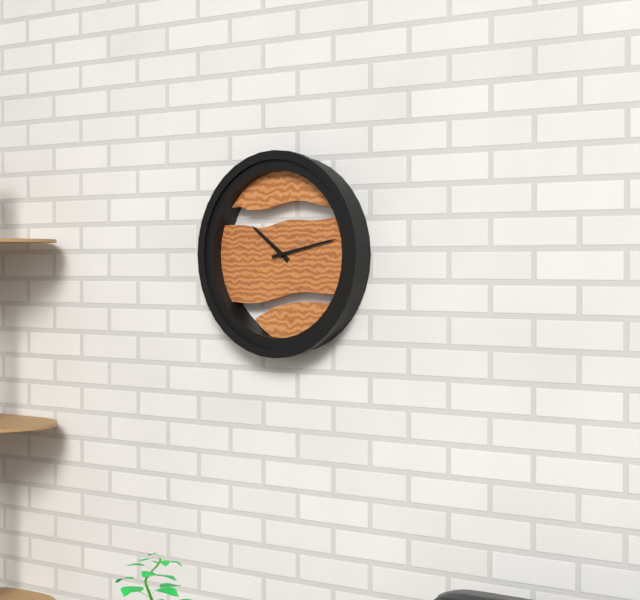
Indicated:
10.13
